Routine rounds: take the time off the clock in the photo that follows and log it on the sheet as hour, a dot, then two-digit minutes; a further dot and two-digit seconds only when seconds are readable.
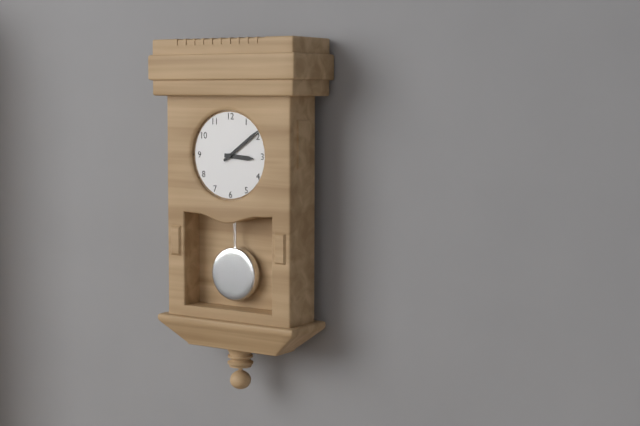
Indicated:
3.09
